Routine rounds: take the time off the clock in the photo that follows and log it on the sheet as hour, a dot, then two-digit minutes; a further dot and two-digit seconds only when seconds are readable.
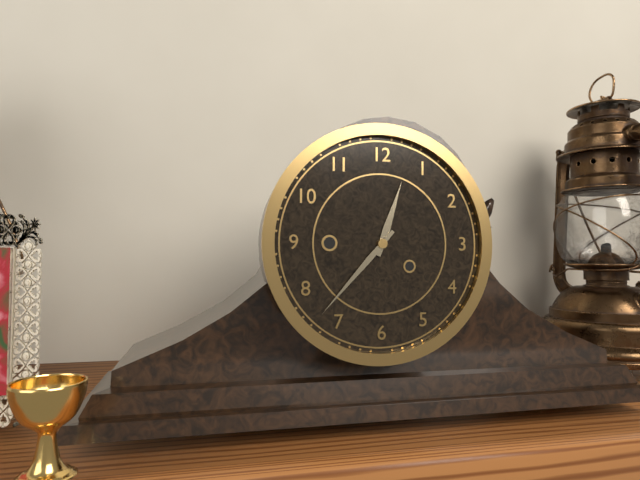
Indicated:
12.37
